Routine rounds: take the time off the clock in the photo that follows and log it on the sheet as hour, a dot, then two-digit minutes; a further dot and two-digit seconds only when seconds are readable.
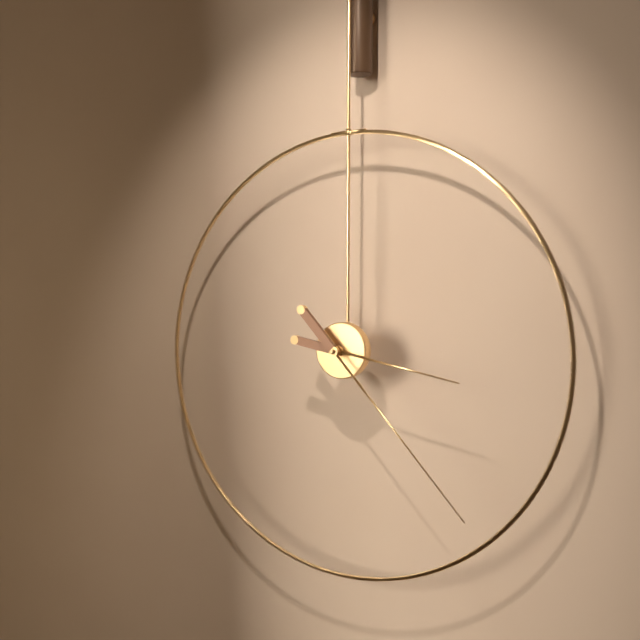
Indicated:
3.23
